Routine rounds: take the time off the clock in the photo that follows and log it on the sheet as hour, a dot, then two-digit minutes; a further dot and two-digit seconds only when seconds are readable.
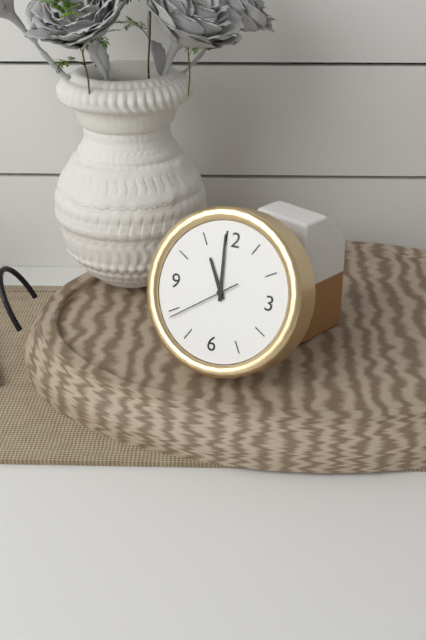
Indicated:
10.59.39
